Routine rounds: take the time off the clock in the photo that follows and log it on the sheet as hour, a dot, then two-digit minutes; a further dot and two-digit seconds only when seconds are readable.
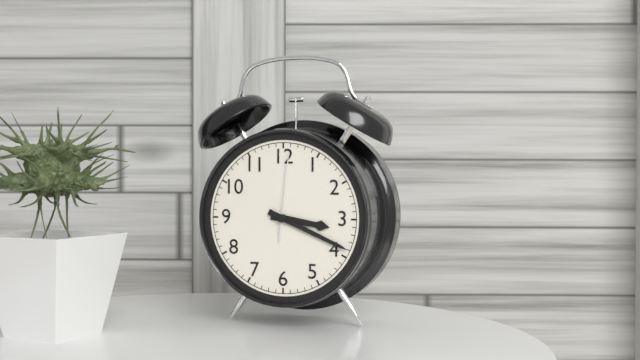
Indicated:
3.19.01
